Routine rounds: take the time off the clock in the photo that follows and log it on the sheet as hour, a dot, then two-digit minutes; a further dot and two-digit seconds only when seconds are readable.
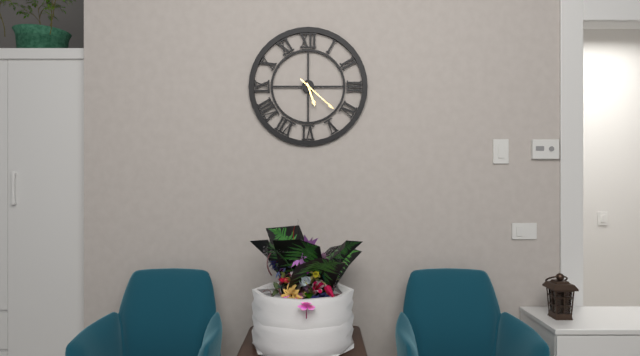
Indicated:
5.22
